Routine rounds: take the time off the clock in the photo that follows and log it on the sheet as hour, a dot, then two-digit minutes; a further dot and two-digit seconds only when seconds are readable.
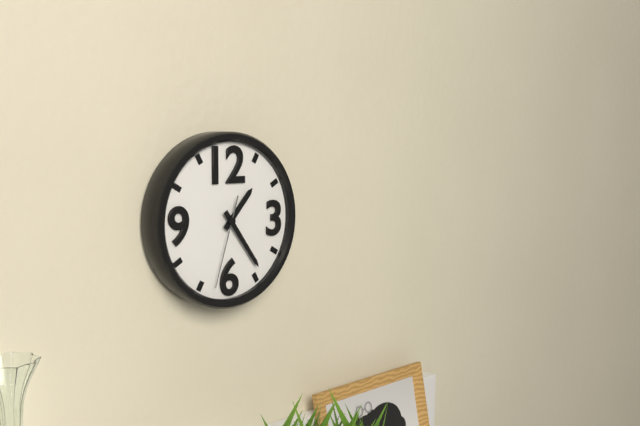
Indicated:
1.24.33
